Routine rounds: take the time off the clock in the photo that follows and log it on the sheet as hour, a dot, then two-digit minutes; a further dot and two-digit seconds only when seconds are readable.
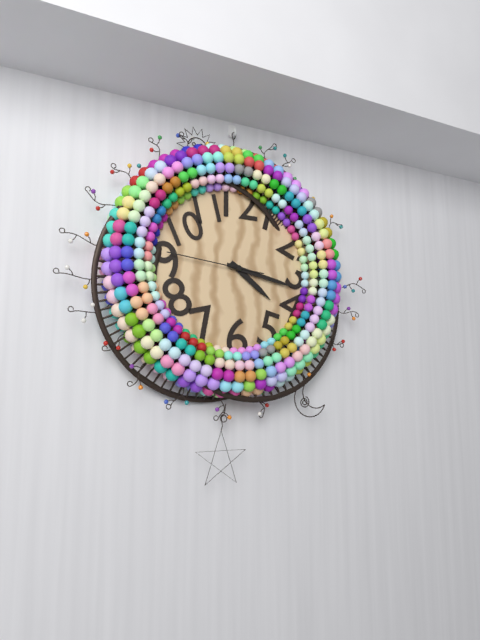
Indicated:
4.17.46
